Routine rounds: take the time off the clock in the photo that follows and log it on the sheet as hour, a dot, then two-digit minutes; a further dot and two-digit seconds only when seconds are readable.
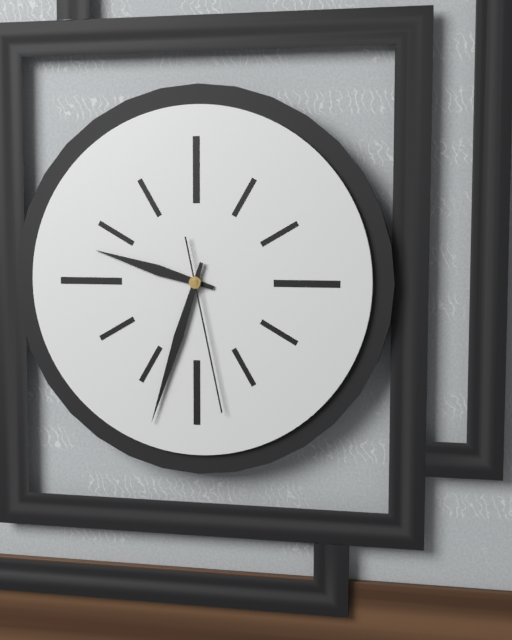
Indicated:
9.33.28
